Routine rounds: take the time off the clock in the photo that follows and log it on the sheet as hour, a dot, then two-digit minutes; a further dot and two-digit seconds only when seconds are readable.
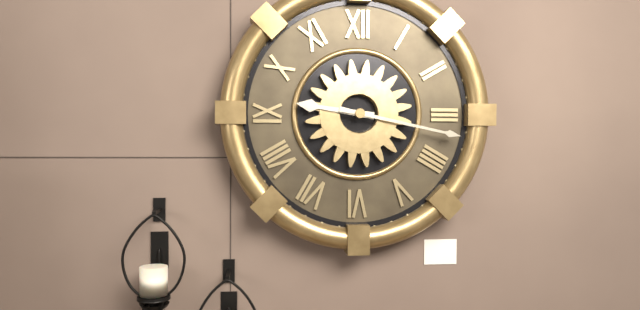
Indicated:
9.17
